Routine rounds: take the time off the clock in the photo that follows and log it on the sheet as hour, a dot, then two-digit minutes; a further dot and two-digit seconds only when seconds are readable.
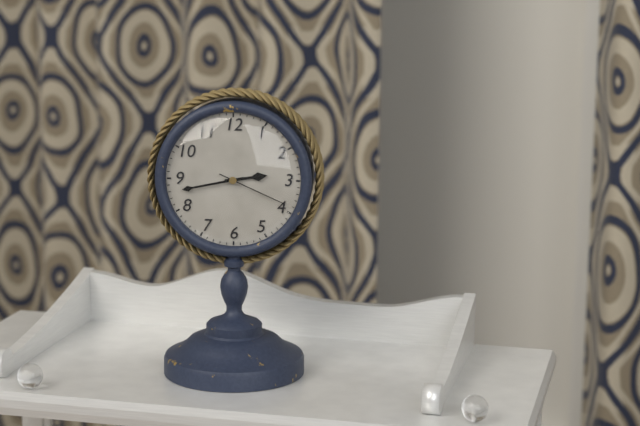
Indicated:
2.43.19
